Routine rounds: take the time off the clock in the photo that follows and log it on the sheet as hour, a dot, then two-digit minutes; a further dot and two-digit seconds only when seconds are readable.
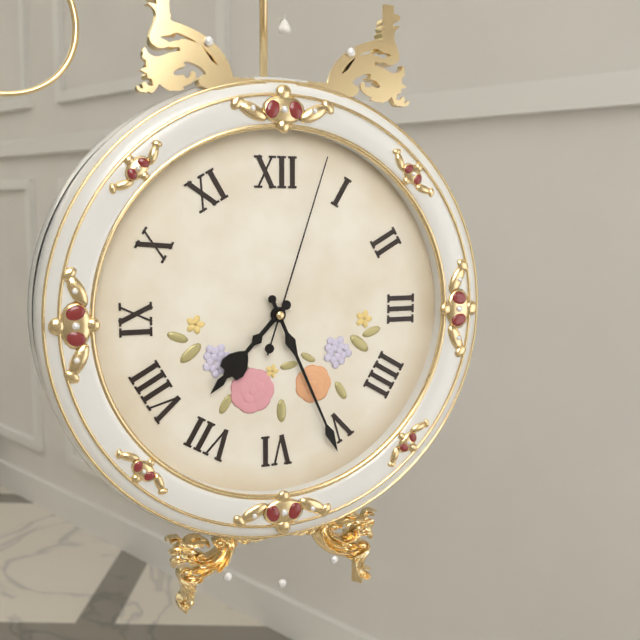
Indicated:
7.26.03
